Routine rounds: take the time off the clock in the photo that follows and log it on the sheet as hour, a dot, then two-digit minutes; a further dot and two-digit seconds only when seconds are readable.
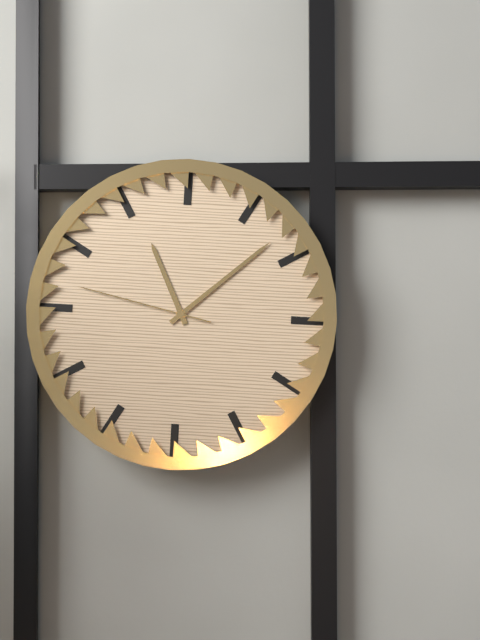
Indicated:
11.08.47
